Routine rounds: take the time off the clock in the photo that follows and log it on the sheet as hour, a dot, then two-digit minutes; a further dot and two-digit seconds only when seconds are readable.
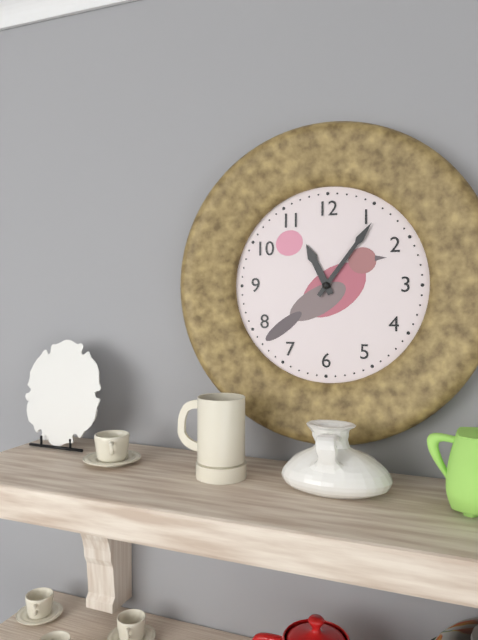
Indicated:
11.06
